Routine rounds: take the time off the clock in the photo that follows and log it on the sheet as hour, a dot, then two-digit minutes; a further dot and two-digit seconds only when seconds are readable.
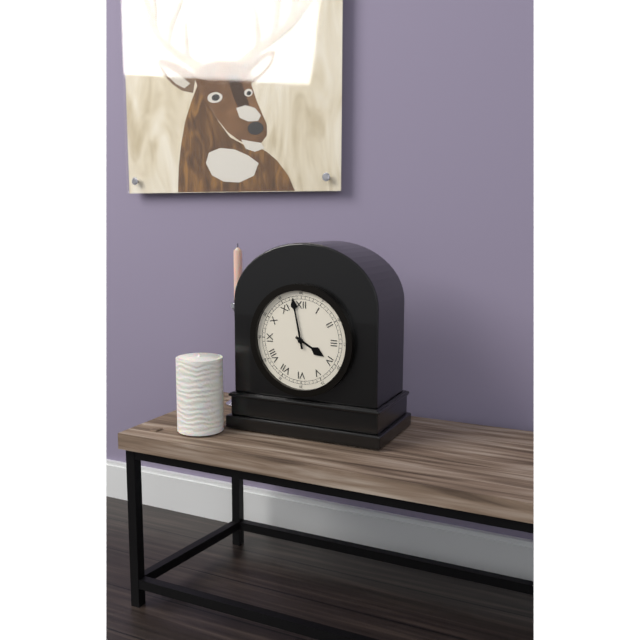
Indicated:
3.58
